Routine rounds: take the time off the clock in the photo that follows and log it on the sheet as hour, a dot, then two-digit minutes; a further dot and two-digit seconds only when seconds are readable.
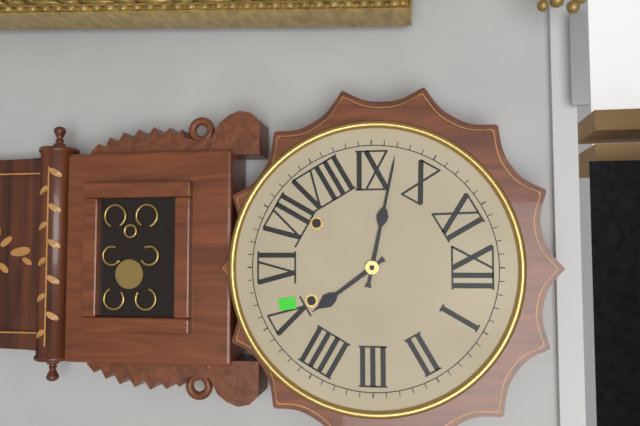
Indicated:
4.47
